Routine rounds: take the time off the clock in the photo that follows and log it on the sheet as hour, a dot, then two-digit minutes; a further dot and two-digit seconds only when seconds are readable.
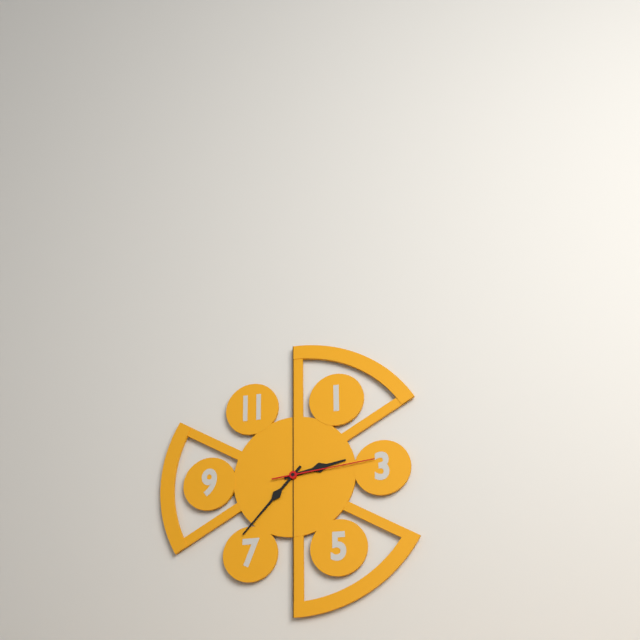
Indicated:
2.37.14
